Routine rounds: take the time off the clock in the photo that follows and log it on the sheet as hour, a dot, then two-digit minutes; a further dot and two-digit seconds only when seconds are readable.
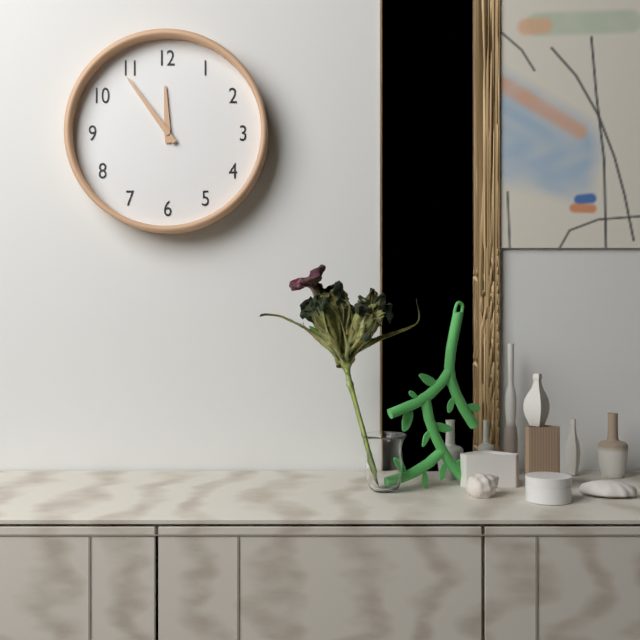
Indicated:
11.54
